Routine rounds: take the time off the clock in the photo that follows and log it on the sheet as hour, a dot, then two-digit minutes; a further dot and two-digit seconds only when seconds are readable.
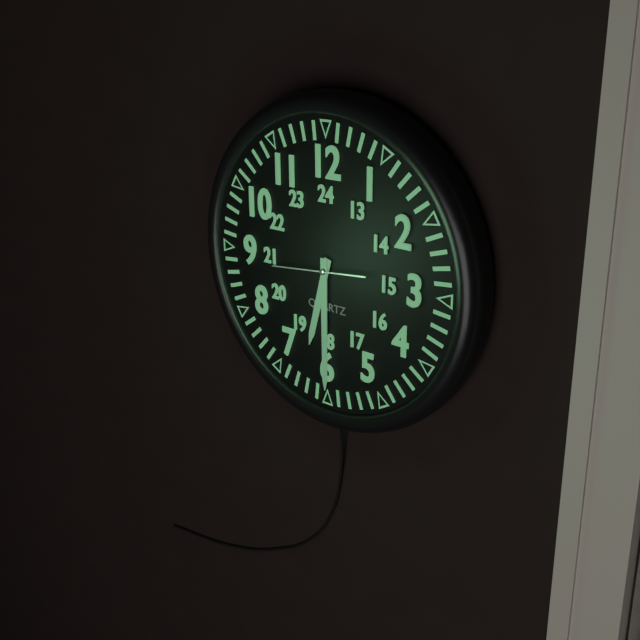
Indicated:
6.30.44
